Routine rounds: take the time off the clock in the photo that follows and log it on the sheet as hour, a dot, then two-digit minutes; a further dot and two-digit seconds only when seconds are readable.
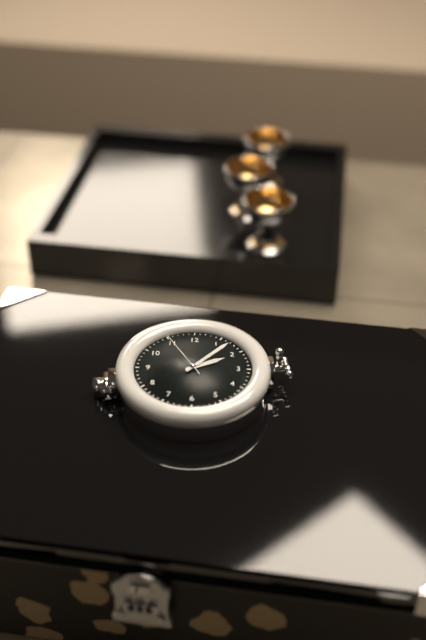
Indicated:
2.07.55
